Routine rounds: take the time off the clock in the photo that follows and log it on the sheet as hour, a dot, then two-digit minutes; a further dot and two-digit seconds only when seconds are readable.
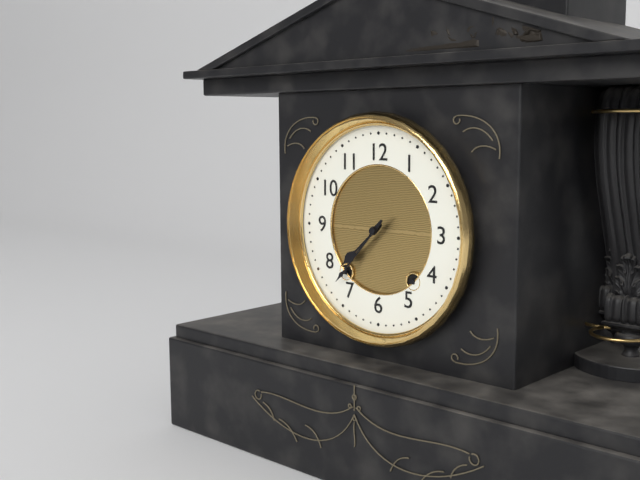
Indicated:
7.37
